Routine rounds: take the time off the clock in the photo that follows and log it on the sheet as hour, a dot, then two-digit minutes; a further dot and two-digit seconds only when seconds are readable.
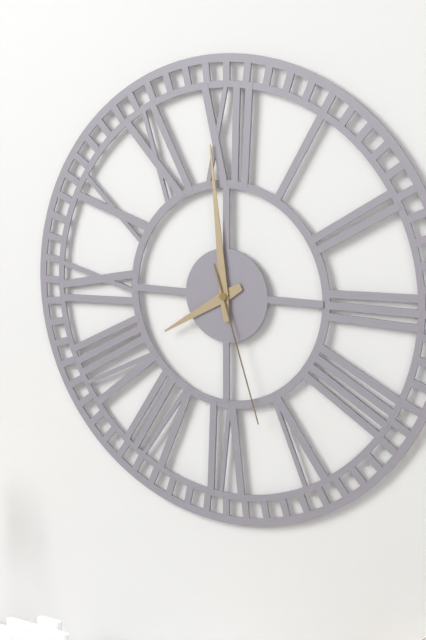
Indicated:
7.59.27
